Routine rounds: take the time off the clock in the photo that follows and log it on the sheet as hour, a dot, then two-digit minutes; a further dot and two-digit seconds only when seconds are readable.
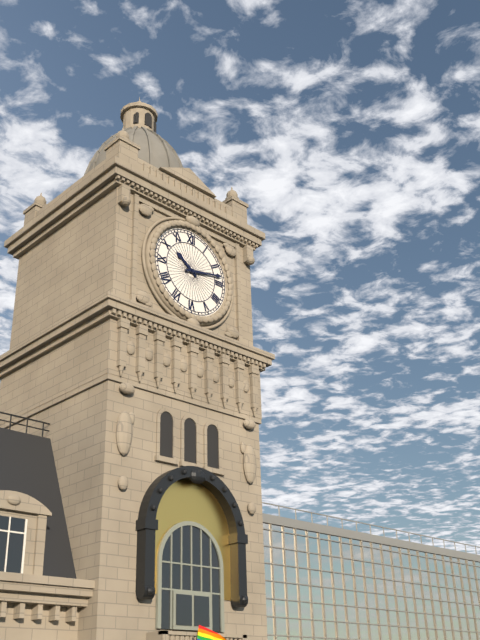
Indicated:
10.13
